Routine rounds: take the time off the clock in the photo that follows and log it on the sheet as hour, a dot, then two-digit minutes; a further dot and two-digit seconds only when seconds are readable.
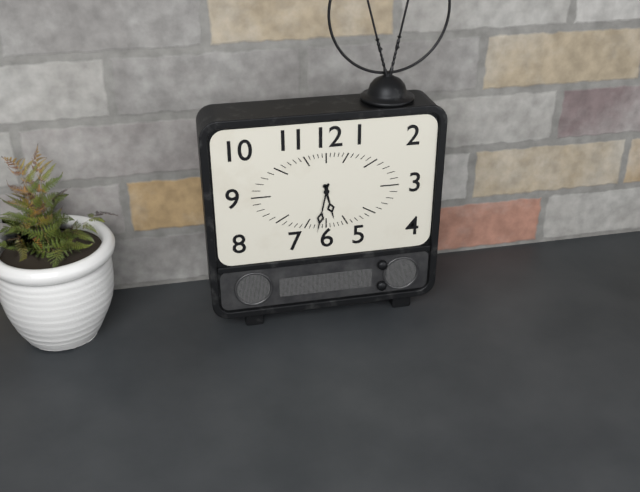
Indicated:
5.32
